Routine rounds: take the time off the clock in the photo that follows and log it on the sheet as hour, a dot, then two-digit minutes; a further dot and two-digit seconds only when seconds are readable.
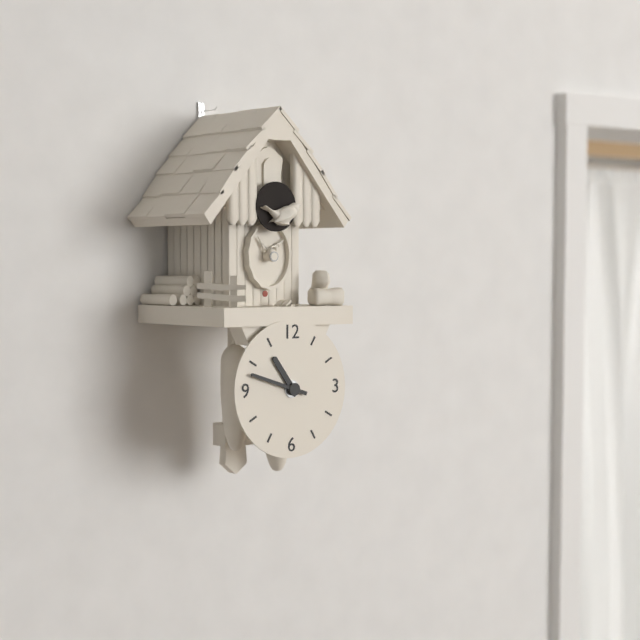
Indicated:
10.48
